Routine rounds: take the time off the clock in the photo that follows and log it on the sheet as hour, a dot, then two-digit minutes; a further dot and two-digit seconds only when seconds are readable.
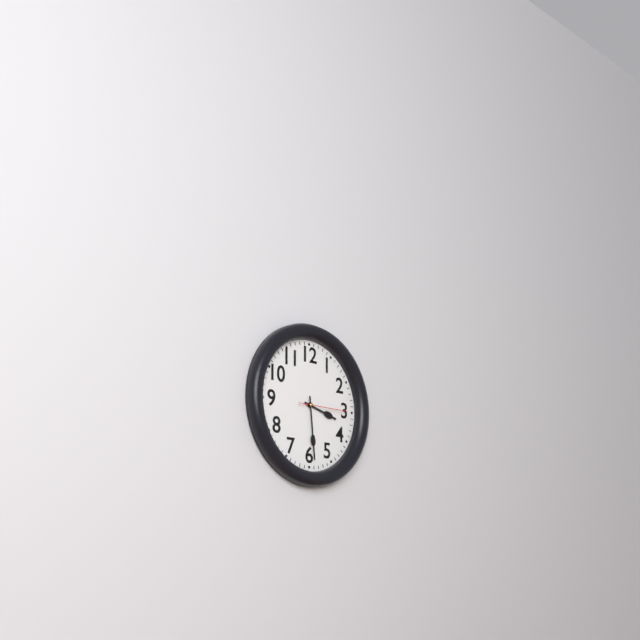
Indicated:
3.29.15
